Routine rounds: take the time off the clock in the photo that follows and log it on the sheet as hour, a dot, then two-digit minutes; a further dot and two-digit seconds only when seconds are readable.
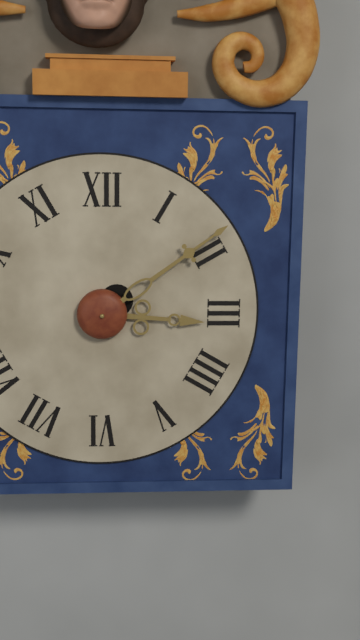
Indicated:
3.09
